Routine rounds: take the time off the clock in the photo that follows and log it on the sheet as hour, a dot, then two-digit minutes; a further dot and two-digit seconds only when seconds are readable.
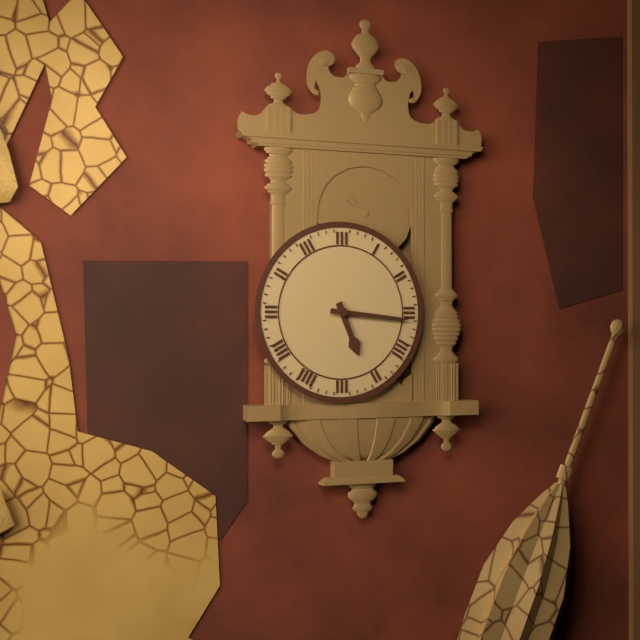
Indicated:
5.16
